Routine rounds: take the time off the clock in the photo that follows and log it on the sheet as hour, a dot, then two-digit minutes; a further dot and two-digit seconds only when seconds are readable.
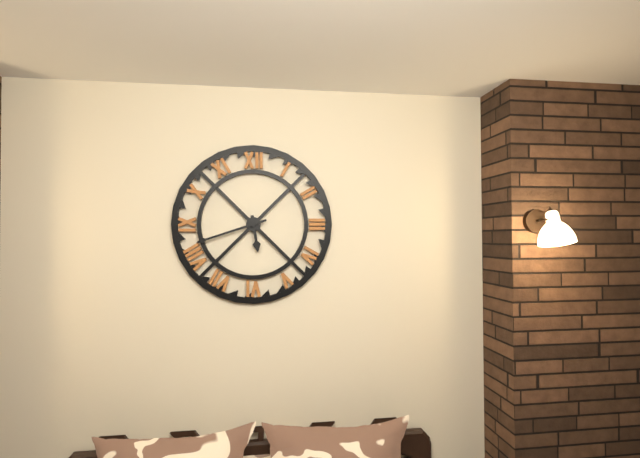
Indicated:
5.42
